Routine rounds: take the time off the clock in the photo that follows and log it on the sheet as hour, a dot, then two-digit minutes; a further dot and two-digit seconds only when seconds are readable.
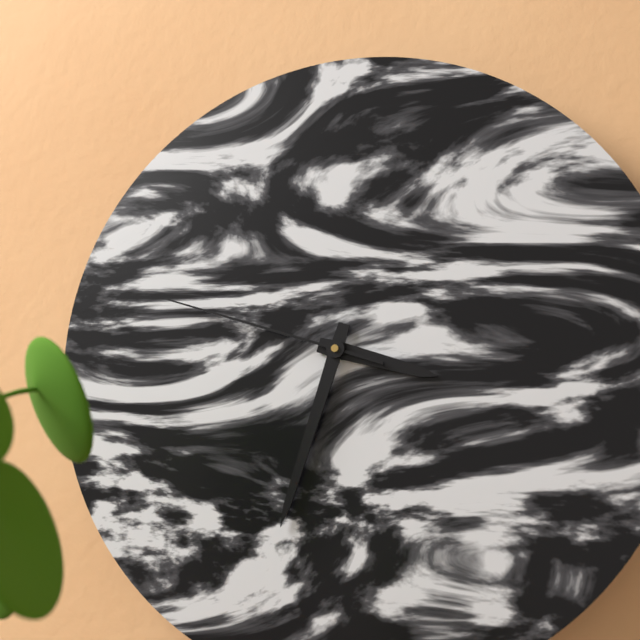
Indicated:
3.33.48
